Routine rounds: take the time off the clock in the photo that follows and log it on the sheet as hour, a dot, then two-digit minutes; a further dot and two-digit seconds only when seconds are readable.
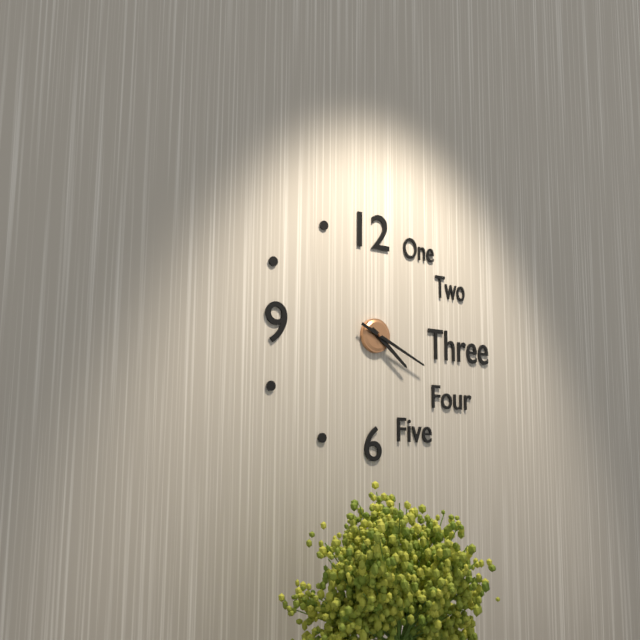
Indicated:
4.19
